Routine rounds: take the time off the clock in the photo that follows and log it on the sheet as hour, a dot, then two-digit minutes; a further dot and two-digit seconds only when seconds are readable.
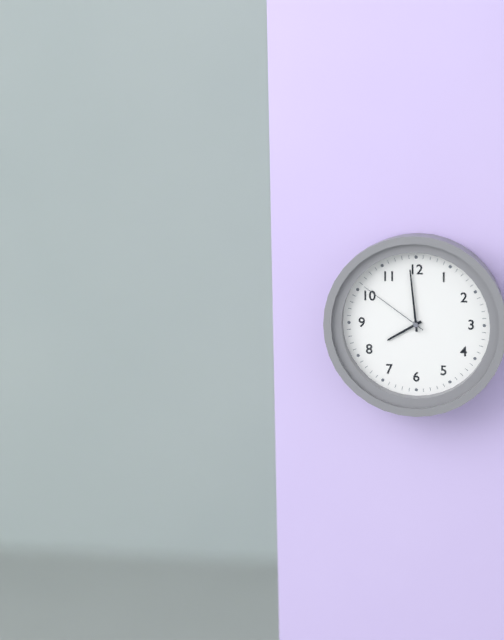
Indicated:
7.59.51
